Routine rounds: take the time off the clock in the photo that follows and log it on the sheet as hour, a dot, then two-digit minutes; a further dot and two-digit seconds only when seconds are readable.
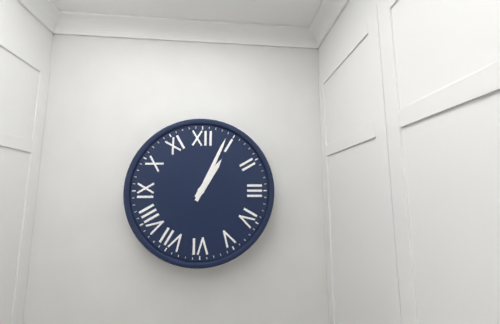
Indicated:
1.04
